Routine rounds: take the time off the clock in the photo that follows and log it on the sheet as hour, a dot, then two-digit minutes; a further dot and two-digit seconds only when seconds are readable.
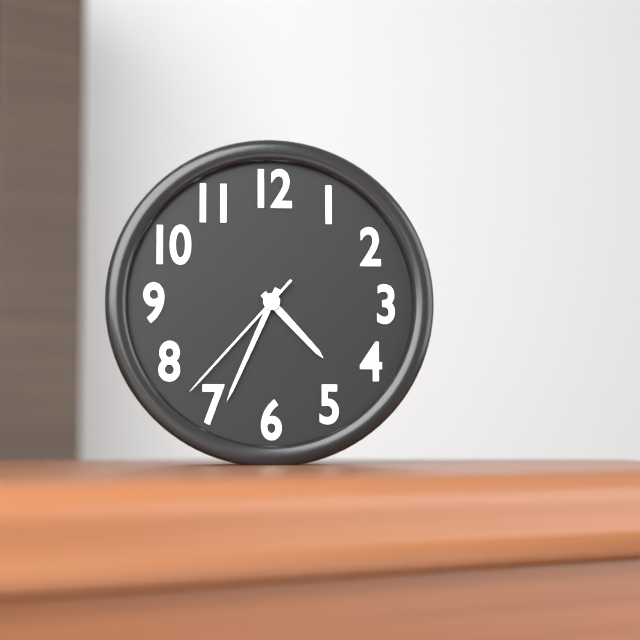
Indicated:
4.34.37
